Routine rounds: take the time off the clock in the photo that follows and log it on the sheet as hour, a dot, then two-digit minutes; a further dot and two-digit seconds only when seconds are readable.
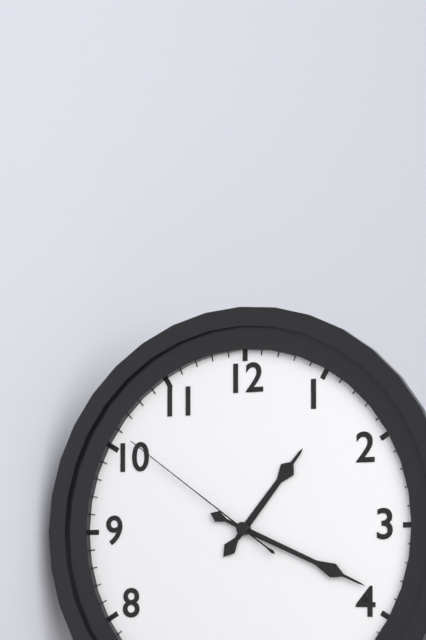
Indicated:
1.19.51
